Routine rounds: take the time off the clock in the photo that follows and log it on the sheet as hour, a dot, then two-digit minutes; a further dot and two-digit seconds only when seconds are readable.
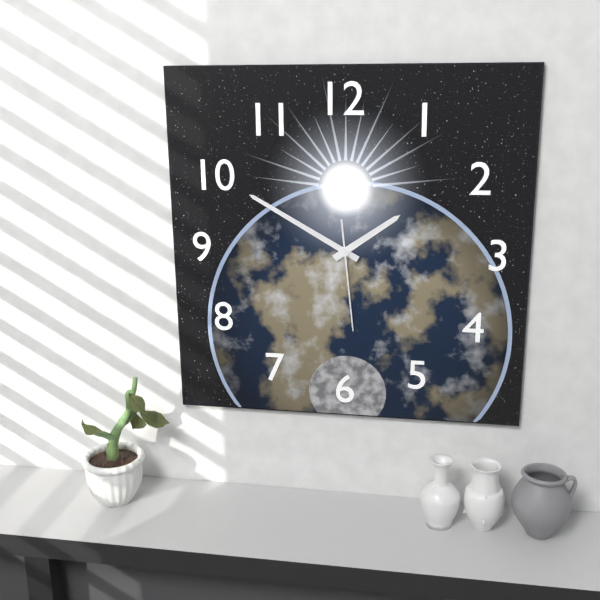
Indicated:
1.50.29
